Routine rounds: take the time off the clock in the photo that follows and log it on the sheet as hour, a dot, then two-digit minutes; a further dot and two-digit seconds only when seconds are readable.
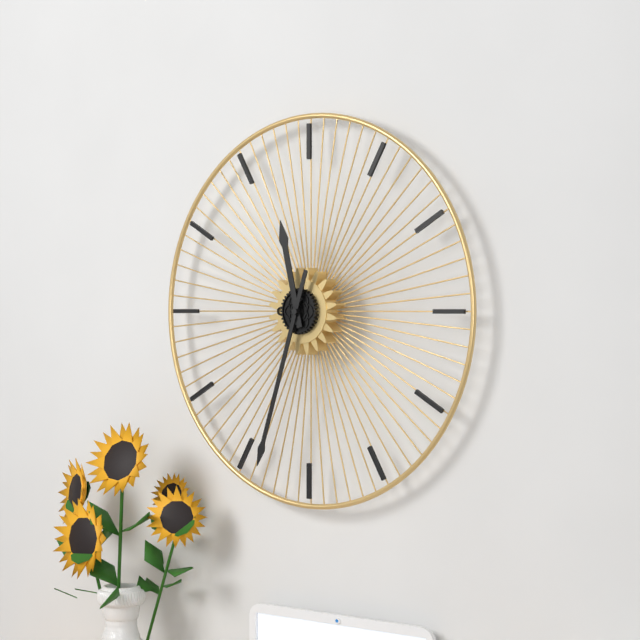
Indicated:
11.33
